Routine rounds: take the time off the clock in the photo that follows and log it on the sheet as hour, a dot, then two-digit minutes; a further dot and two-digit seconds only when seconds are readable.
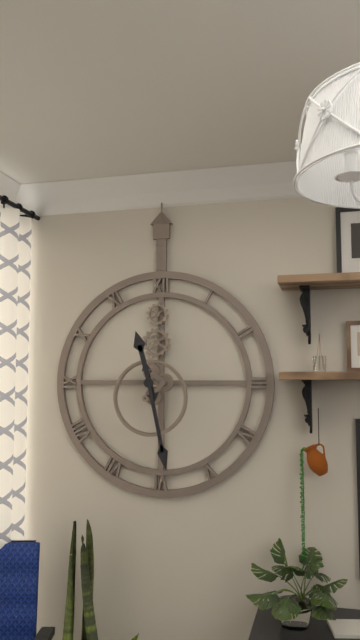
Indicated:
11.28
